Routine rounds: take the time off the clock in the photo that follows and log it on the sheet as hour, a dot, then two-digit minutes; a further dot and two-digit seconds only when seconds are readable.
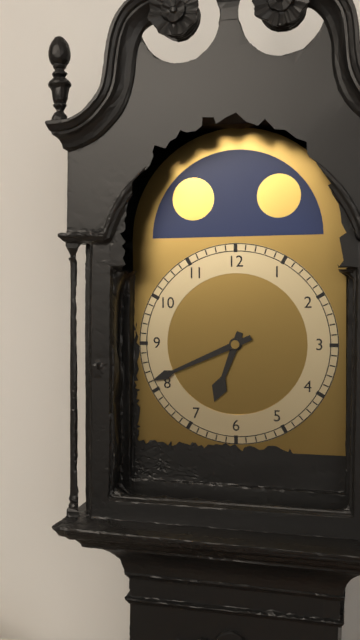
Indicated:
6.41
